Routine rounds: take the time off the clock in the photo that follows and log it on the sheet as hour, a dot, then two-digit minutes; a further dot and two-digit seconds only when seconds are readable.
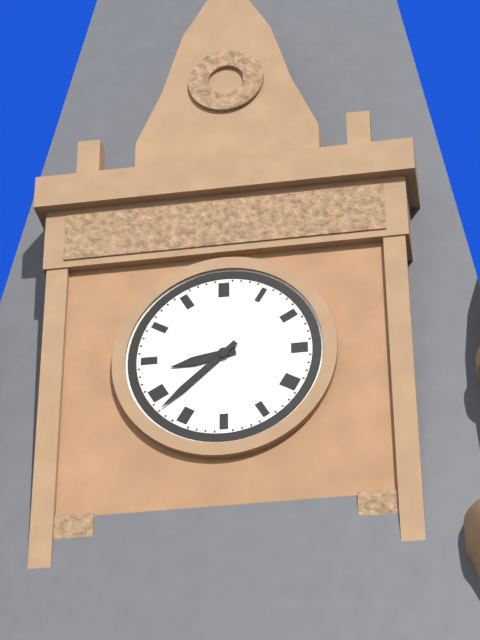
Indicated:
8.38
